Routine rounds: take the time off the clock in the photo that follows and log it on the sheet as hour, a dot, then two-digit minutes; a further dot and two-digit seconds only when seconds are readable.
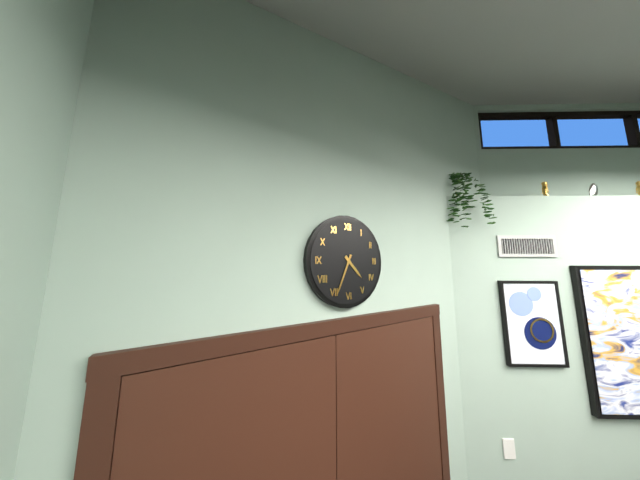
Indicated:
4.34
